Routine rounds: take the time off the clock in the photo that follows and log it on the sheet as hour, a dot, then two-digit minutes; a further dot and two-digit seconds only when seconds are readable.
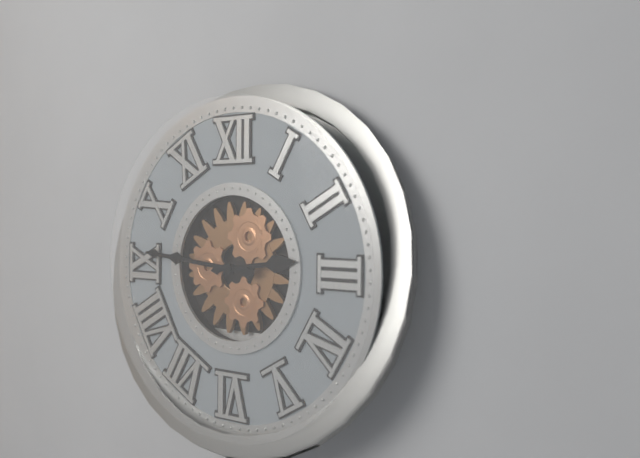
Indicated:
2.46
